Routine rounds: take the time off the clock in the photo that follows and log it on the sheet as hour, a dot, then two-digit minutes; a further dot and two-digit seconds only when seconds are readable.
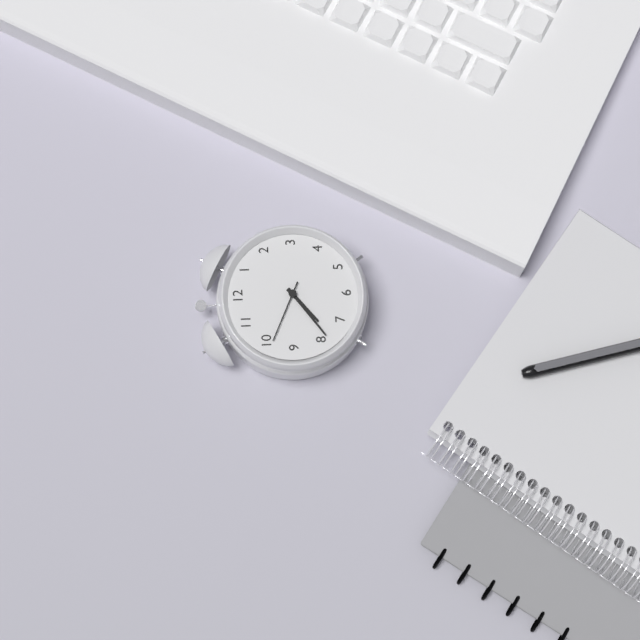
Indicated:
7.39
